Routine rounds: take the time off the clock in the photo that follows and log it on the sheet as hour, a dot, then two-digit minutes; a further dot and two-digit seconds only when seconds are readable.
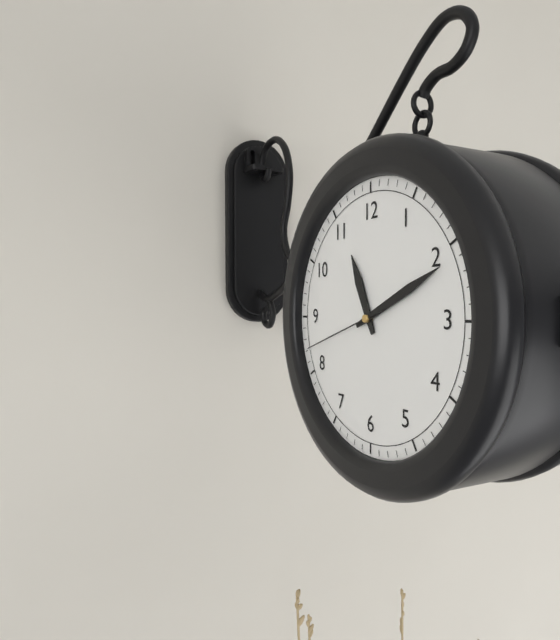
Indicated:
11.11.42
